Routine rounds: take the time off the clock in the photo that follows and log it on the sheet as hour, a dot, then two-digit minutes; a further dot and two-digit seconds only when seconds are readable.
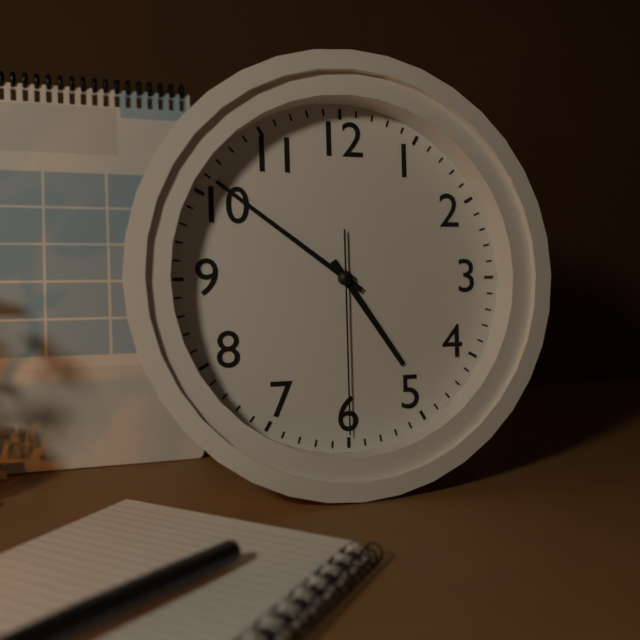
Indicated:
4.51.30
